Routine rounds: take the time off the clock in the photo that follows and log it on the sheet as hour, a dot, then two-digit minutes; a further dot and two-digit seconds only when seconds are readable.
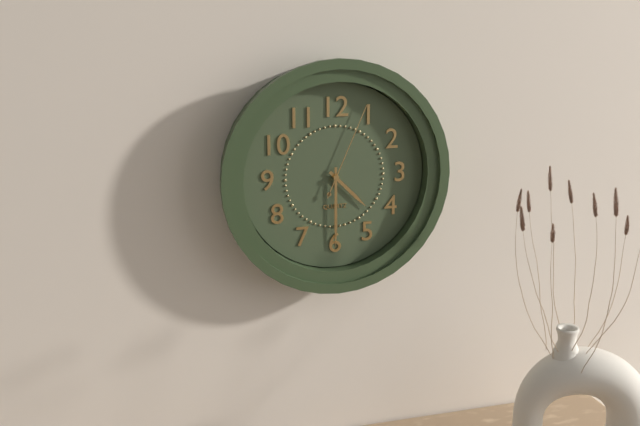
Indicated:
4.30.04
